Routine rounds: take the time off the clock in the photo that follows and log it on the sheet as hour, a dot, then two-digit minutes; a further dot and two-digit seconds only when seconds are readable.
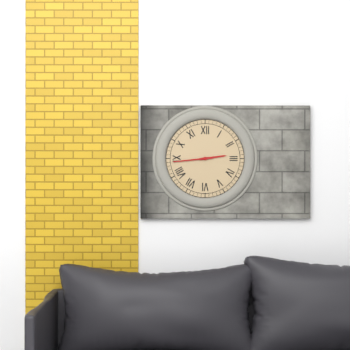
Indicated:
2.44
